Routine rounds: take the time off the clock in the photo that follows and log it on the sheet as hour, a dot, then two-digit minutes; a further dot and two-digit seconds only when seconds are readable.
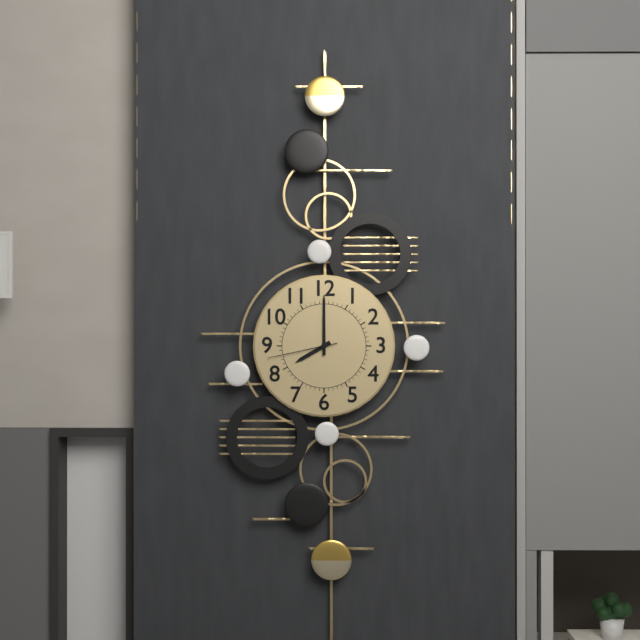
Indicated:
8.00.43
